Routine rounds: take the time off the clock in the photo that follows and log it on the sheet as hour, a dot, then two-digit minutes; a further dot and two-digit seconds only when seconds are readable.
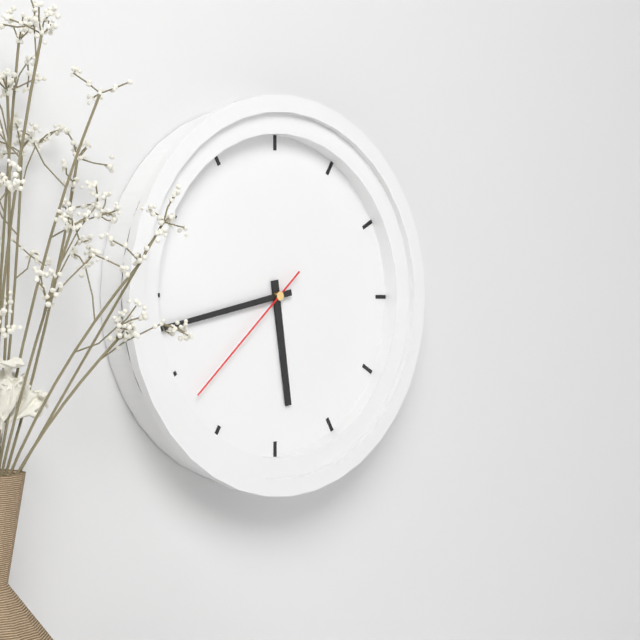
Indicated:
5.43.38
